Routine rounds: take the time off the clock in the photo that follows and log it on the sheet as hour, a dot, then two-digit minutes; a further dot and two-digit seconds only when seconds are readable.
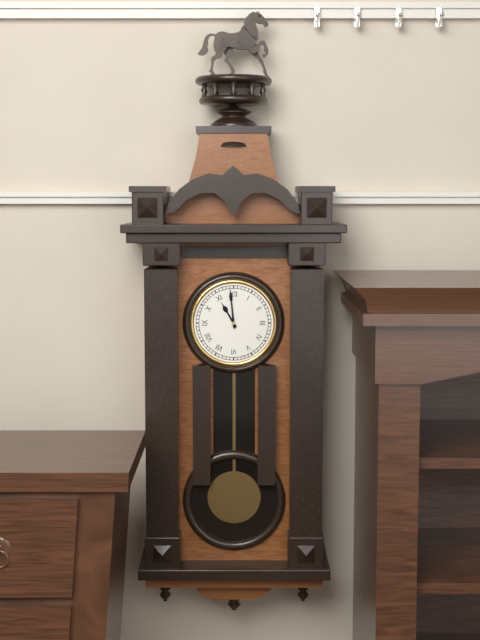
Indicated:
10.59
